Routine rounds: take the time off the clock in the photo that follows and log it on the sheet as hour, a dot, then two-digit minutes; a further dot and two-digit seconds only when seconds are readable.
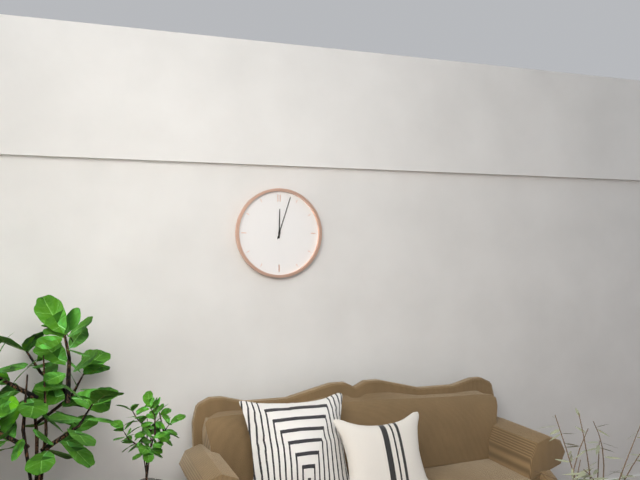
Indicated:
12.03
